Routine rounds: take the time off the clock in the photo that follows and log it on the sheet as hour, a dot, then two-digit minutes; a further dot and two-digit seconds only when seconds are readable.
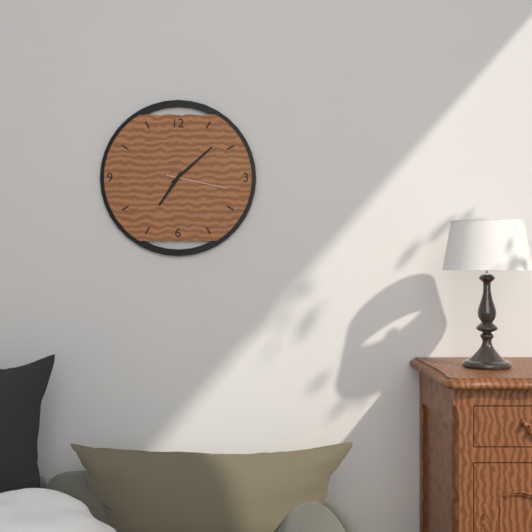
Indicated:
7.08.17
